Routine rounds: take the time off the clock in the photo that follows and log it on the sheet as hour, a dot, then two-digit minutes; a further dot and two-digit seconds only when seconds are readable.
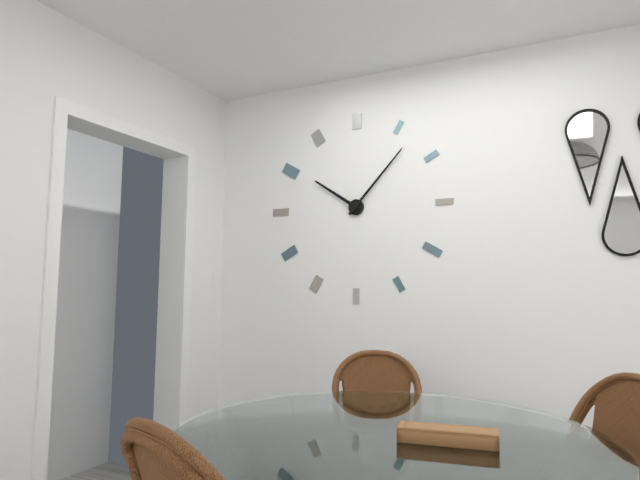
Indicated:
10.07
